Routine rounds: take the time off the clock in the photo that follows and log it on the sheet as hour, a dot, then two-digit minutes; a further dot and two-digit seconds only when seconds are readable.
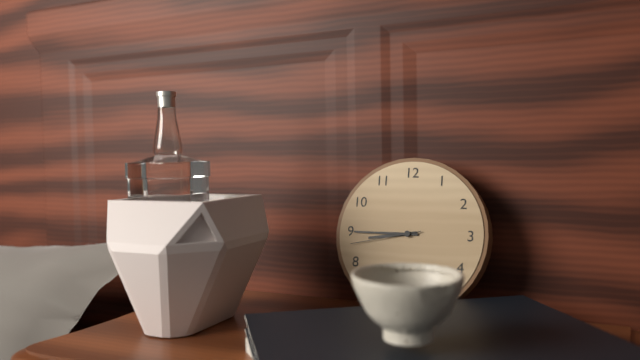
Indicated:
8.45.43
